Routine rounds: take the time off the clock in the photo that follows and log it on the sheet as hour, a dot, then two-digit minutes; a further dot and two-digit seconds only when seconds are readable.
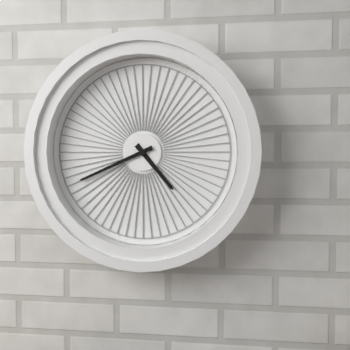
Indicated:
4.41
